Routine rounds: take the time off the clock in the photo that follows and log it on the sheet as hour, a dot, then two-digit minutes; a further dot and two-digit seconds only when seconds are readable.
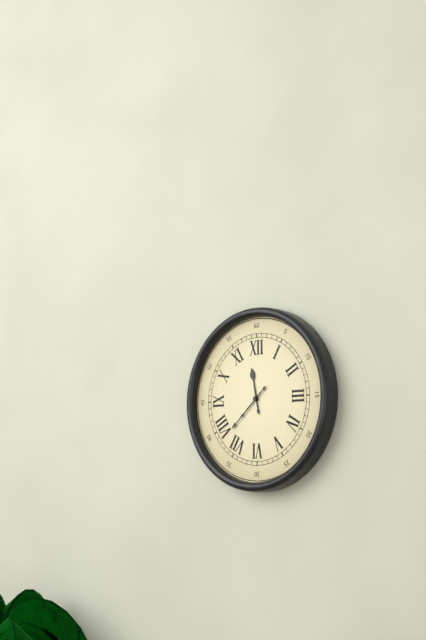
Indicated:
11.38
